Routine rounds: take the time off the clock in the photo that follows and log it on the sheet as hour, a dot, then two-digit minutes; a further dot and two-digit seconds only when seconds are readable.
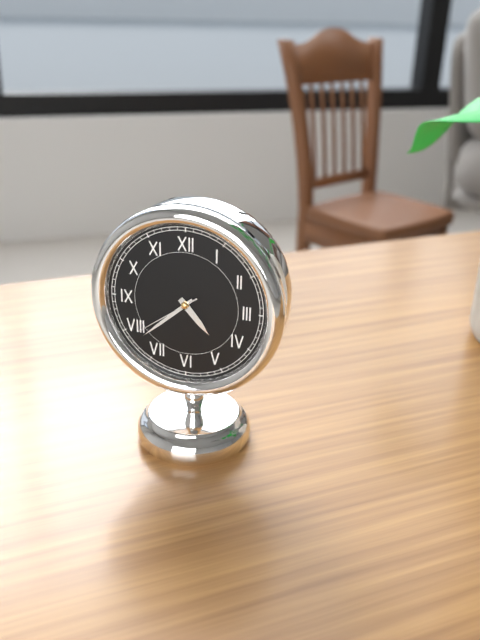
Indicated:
4.38.39
